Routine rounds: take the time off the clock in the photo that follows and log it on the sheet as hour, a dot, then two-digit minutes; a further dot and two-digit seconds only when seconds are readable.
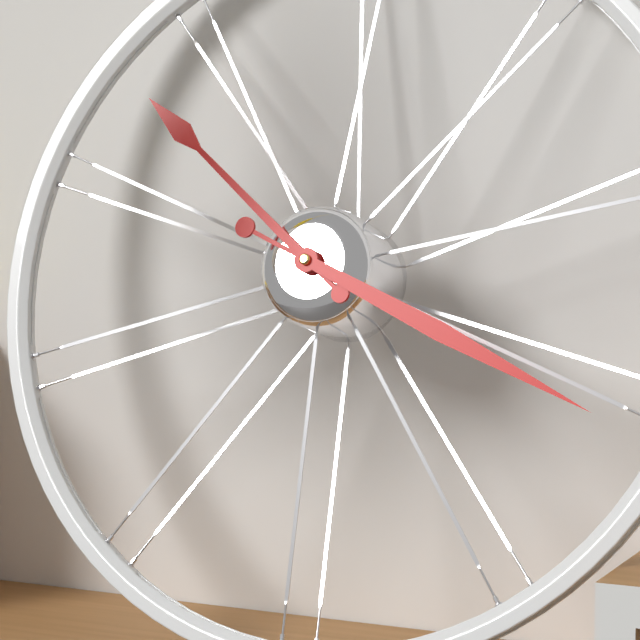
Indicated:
10.19
